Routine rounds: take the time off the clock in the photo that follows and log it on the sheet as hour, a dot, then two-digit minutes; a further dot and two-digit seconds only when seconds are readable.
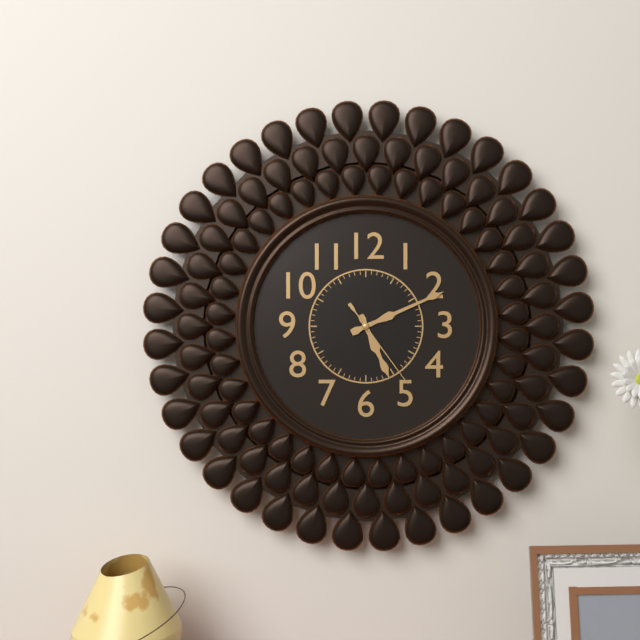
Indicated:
5.11.24
